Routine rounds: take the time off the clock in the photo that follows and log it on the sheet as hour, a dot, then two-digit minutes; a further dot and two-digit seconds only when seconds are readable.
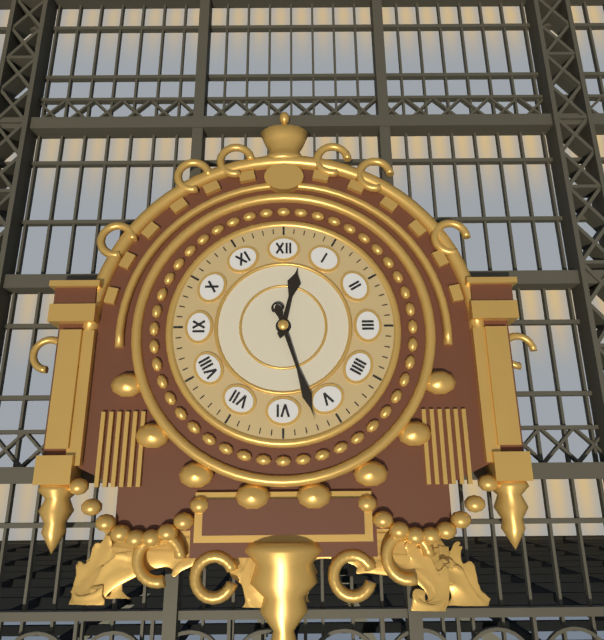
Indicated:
12.27
